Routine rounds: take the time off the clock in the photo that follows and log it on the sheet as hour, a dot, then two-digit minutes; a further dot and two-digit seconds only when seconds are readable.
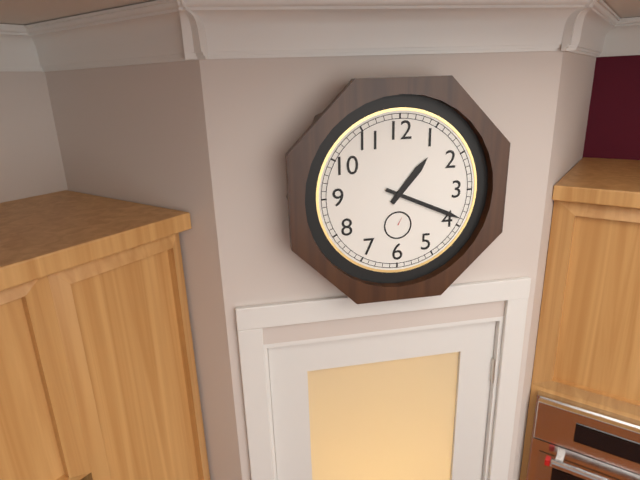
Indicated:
1.19
